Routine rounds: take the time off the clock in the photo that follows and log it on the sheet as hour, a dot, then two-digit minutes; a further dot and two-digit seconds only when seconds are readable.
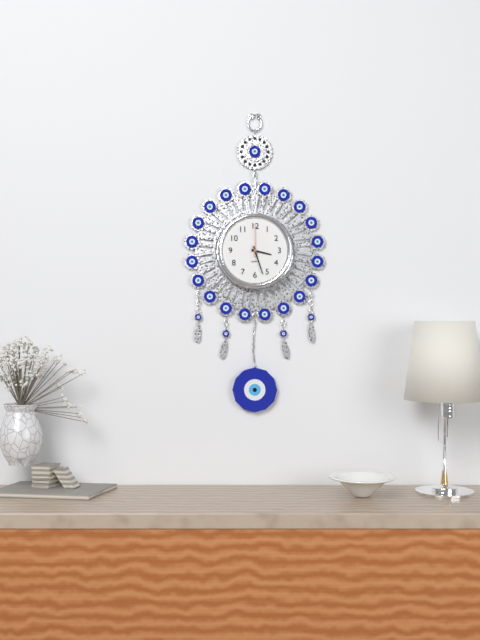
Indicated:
3.27
